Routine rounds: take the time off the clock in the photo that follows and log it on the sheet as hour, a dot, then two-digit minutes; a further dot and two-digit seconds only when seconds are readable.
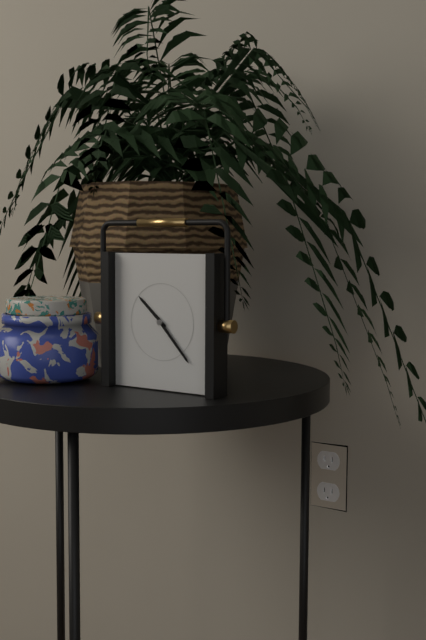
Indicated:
10.23
